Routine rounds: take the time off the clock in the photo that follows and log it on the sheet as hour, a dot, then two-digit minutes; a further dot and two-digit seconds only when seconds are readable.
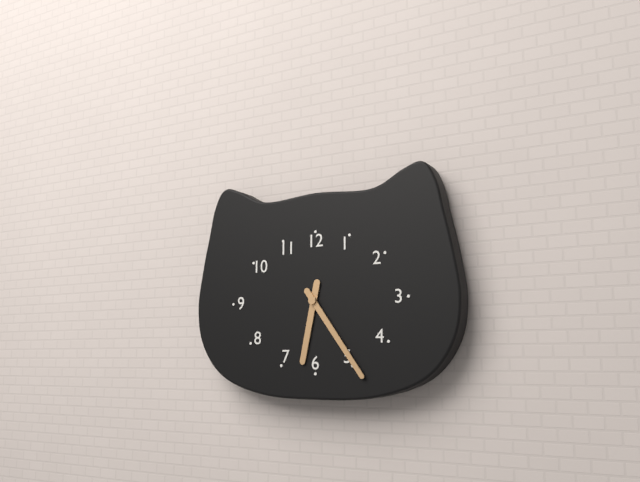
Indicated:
6.24
